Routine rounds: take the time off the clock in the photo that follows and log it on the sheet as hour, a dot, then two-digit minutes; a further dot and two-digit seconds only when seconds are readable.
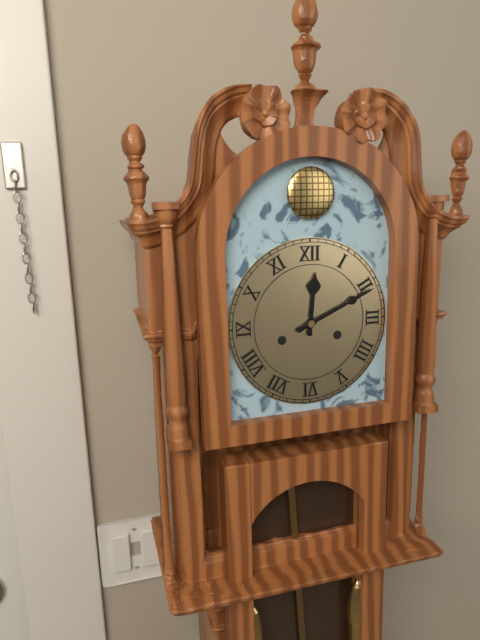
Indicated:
12.11
